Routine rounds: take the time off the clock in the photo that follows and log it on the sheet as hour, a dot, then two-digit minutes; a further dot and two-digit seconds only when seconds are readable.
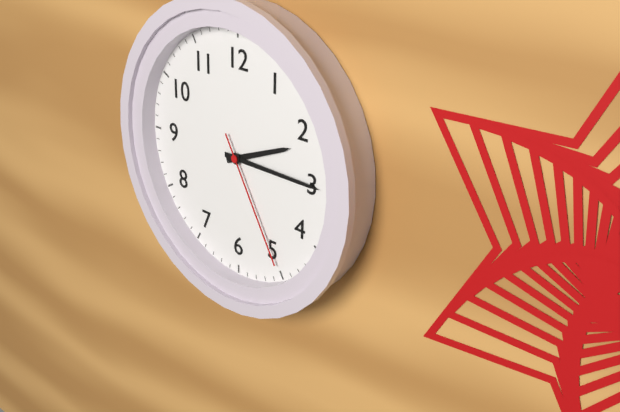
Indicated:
2.15.25
